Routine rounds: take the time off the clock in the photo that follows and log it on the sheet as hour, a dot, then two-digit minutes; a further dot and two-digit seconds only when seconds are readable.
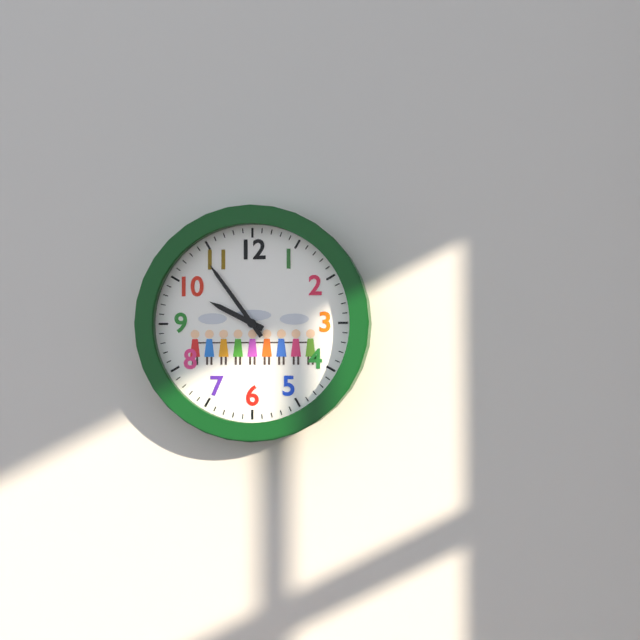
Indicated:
9.54
